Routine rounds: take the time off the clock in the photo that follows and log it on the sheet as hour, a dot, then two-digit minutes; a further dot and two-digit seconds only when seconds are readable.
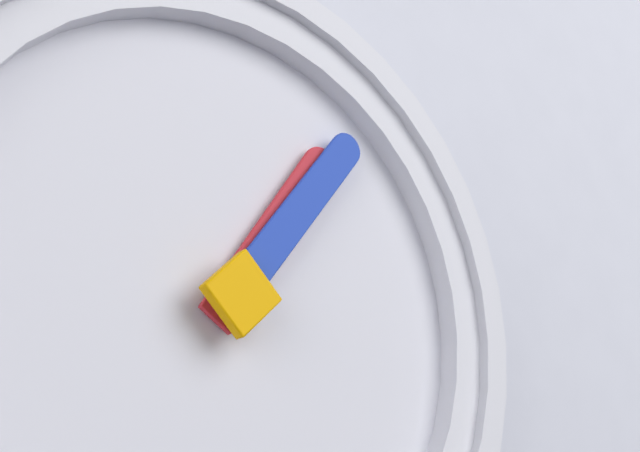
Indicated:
1.06
